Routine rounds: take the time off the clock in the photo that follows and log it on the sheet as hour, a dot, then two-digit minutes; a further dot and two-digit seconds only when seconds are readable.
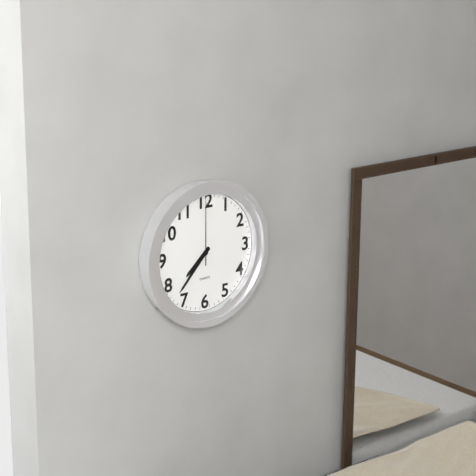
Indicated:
7.37.00
